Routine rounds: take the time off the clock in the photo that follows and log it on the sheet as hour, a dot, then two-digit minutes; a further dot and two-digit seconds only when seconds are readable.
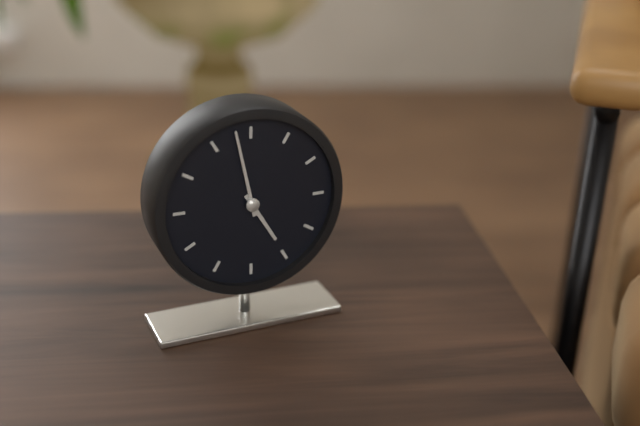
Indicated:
4.58
